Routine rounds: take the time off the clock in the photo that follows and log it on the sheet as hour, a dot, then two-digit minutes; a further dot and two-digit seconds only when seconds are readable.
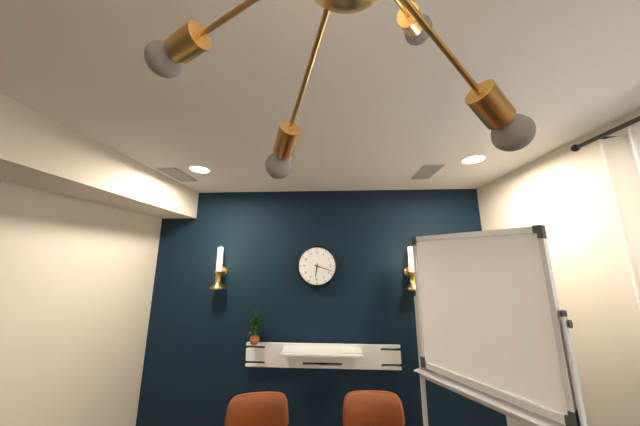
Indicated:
6.18
